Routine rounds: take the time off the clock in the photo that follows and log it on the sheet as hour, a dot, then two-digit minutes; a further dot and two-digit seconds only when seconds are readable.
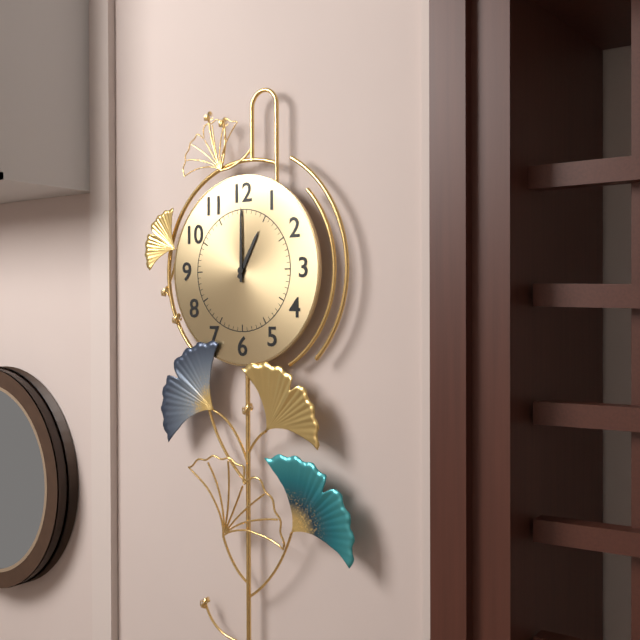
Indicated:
1.00
